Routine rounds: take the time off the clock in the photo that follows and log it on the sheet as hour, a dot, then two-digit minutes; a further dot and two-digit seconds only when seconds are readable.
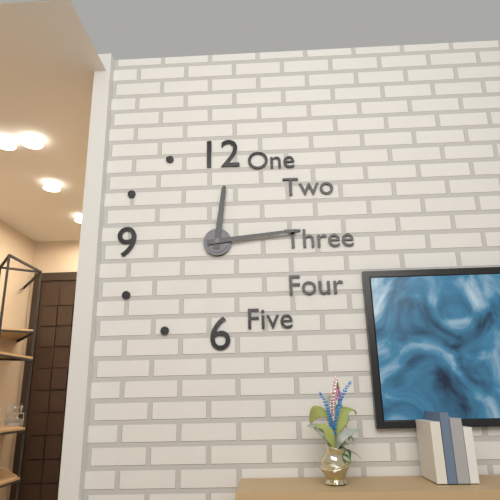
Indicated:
12.14
